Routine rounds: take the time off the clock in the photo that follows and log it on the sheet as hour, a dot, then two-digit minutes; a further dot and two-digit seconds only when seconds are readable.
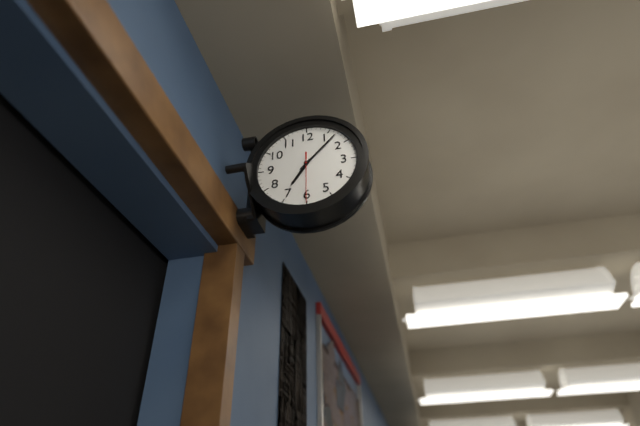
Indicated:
7.07
